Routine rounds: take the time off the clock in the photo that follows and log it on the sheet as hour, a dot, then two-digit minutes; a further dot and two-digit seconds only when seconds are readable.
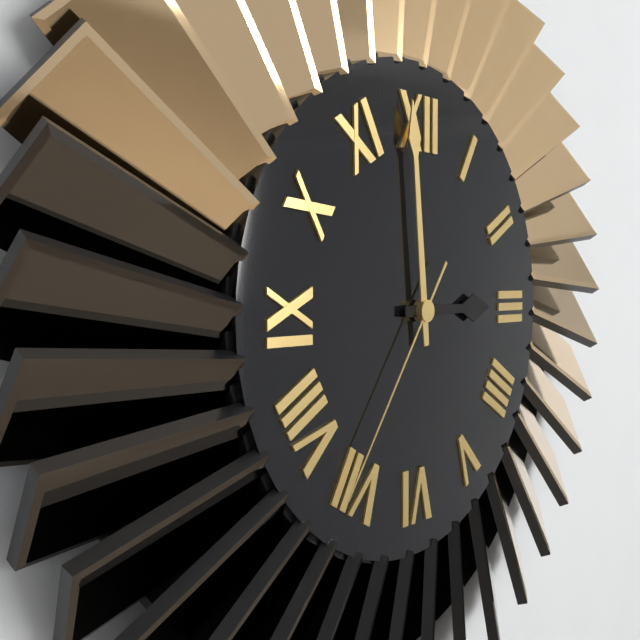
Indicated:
2.59.36
